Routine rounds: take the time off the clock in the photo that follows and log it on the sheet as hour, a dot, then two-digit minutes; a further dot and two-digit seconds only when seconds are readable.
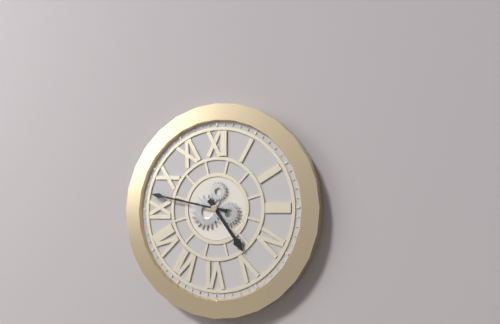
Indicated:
4.47
